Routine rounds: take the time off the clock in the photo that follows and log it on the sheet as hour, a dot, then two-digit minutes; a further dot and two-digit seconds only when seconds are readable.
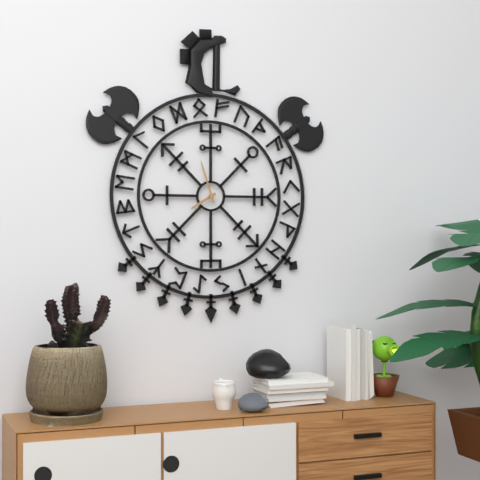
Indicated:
7.57
